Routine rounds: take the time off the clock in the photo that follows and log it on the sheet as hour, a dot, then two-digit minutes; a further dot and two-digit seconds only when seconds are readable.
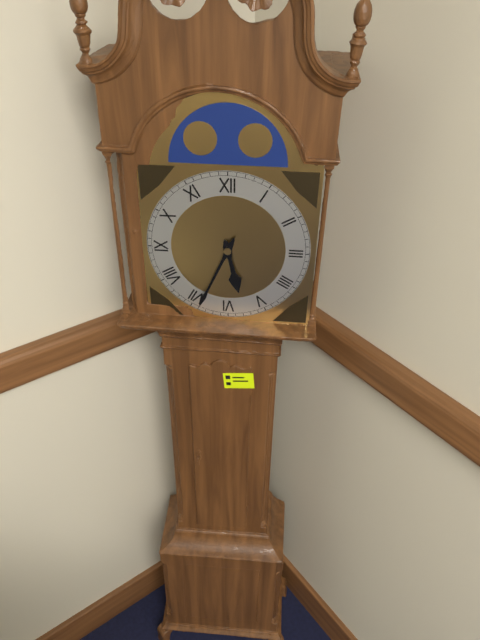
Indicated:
5.34
